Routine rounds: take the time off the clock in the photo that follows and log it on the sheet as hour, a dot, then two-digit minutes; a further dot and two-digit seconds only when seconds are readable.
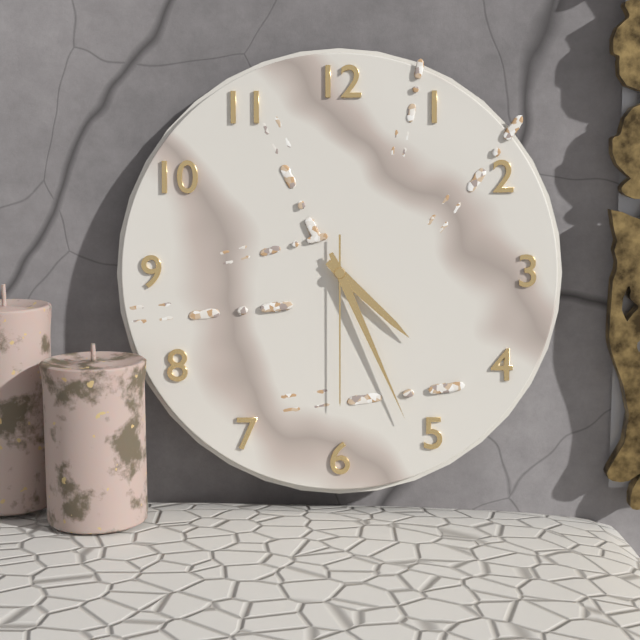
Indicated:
4.26.30
